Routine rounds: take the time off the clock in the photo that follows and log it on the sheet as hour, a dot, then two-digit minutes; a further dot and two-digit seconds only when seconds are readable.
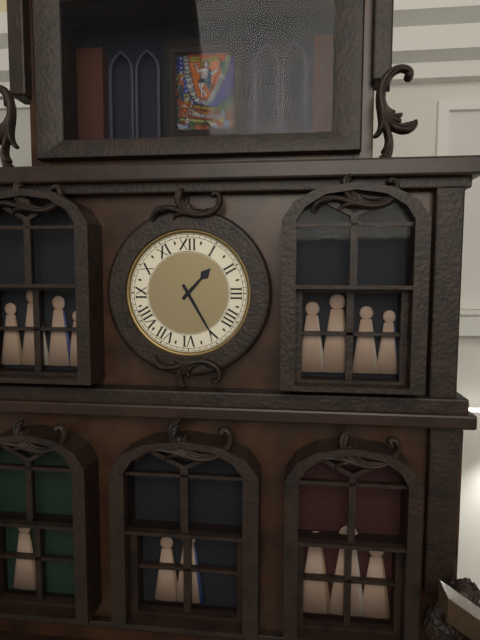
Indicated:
1.25
